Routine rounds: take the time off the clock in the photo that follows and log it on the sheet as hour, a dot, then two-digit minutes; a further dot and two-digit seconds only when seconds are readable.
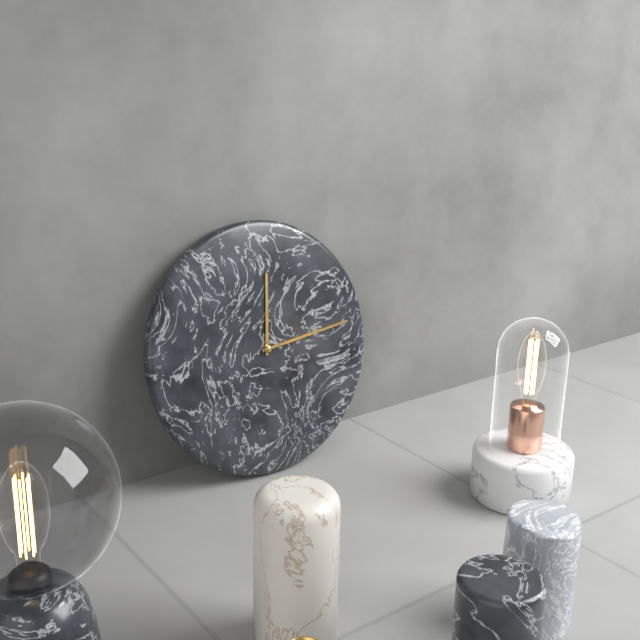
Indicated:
12.14
